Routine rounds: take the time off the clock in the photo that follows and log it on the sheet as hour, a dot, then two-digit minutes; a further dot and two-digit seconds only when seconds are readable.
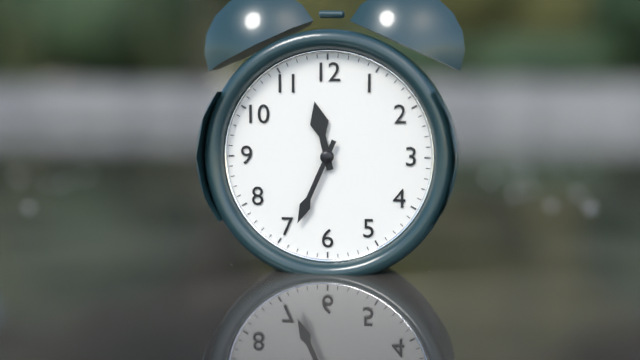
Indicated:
11.34
